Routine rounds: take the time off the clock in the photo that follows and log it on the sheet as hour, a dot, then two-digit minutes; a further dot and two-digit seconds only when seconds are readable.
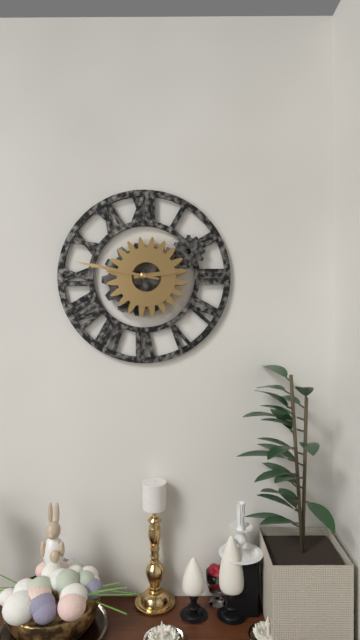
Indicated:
2.47
